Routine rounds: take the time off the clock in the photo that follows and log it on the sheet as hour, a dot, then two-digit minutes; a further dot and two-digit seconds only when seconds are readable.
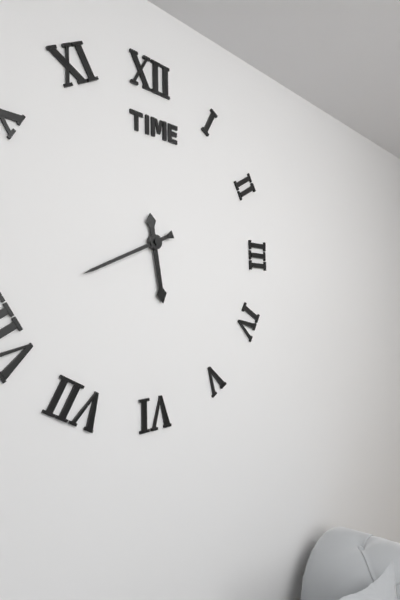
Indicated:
5.41
